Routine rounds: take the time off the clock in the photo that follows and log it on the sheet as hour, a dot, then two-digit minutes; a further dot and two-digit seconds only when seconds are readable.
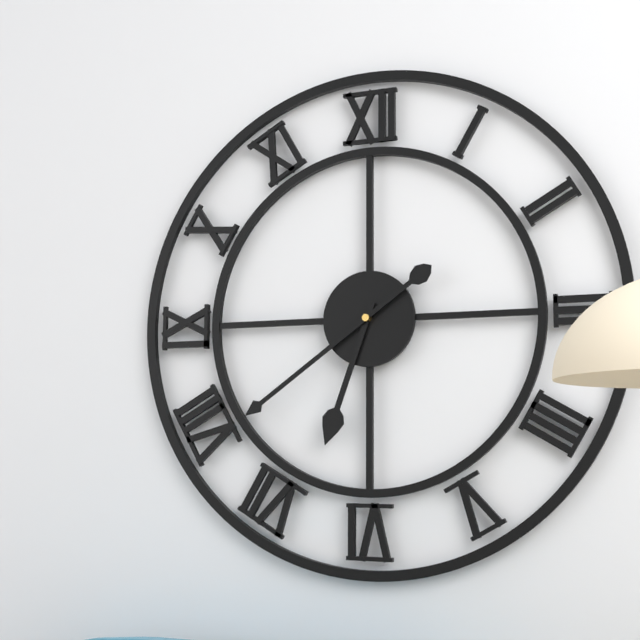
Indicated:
6.39
